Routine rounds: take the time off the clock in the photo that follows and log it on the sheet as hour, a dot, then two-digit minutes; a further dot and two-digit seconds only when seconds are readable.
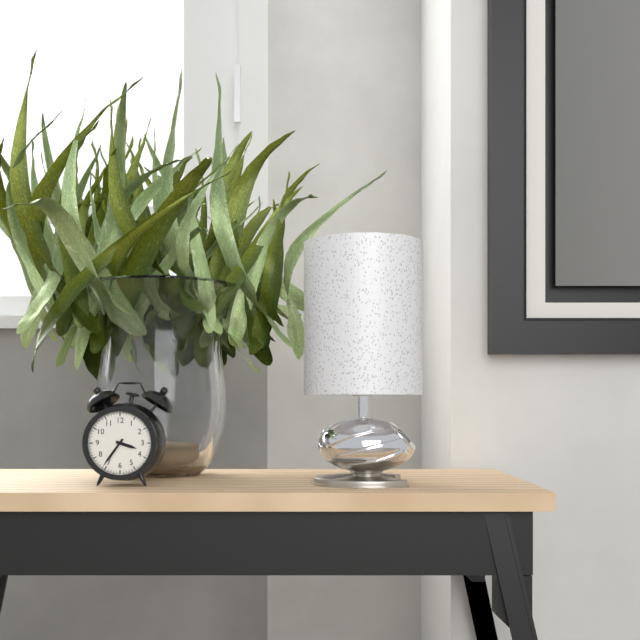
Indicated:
3.36
